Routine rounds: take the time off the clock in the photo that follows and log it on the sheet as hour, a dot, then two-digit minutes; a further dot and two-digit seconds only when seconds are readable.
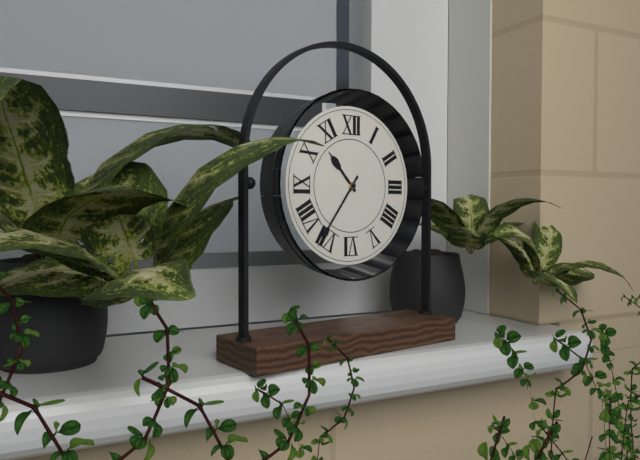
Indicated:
10.36
